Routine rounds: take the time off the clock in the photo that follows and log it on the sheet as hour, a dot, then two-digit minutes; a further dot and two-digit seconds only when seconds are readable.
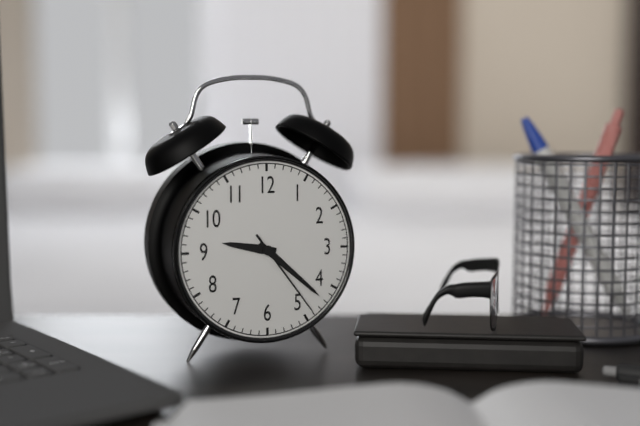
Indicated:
9.22.24
